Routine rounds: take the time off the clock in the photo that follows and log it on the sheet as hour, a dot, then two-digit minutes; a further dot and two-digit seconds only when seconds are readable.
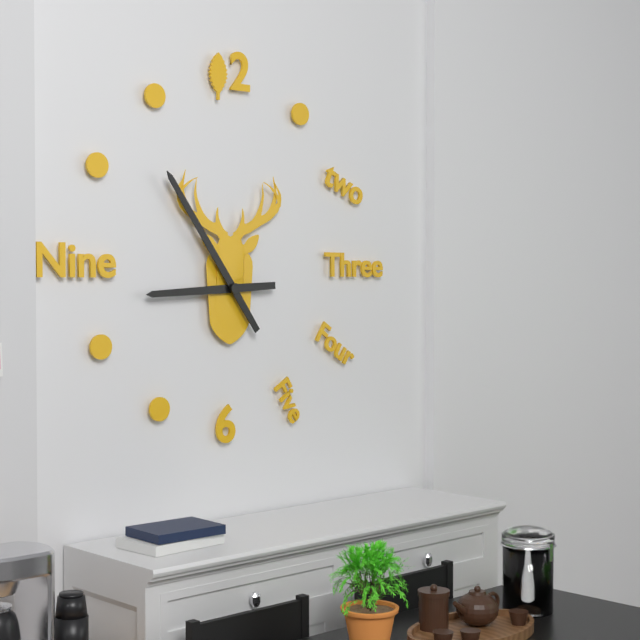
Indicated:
8.54
